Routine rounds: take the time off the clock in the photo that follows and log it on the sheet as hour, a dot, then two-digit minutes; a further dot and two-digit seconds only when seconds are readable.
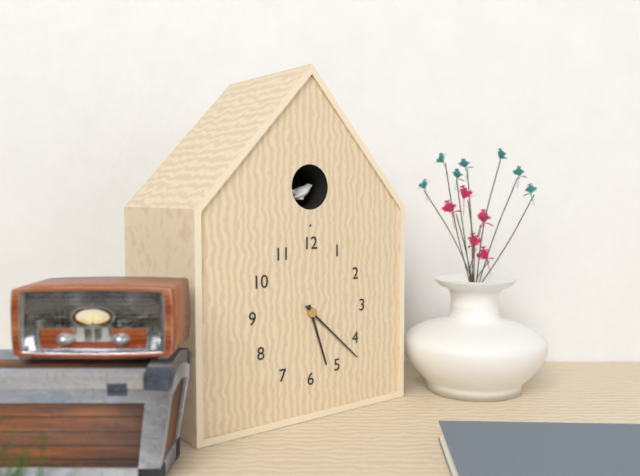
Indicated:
5.22
